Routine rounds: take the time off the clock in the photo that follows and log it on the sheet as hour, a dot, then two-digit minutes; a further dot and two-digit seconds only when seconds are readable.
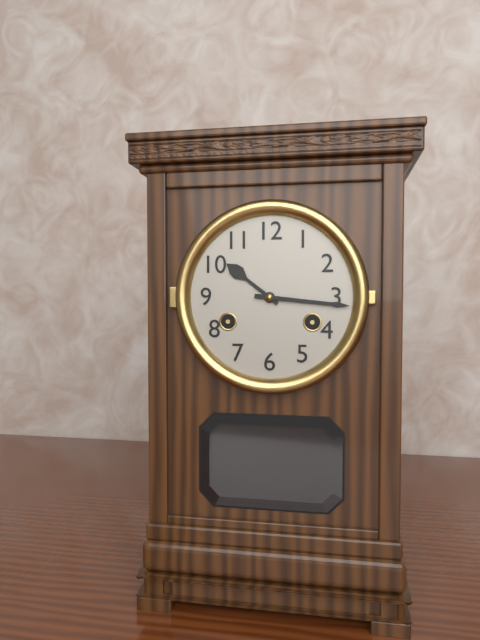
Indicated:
10.16
